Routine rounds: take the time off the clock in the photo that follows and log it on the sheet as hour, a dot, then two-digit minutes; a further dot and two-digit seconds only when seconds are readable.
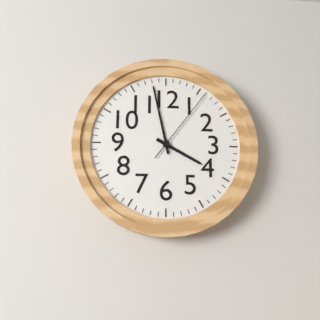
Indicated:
3.58.06
